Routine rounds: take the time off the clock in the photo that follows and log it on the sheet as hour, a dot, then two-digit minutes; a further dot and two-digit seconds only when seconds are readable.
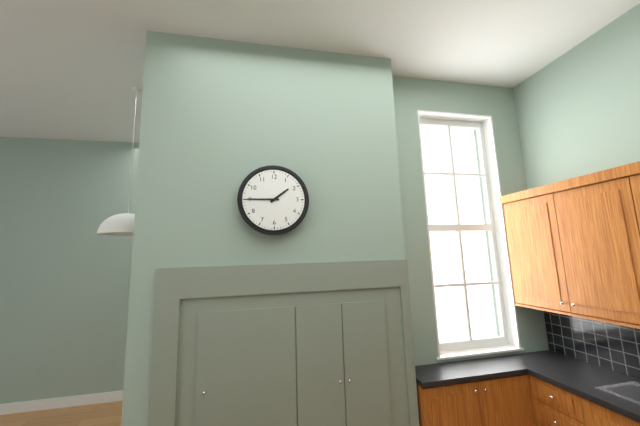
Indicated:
1.45
